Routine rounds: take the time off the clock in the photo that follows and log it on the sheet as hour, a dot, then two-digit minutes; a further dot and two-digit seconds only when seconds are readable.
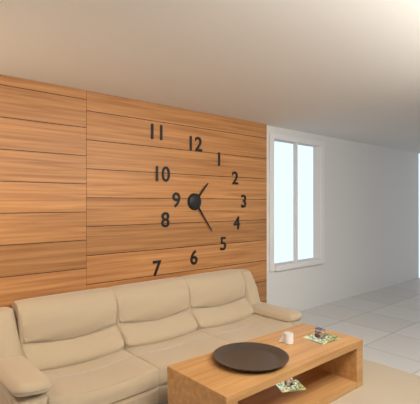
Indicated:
1.24
